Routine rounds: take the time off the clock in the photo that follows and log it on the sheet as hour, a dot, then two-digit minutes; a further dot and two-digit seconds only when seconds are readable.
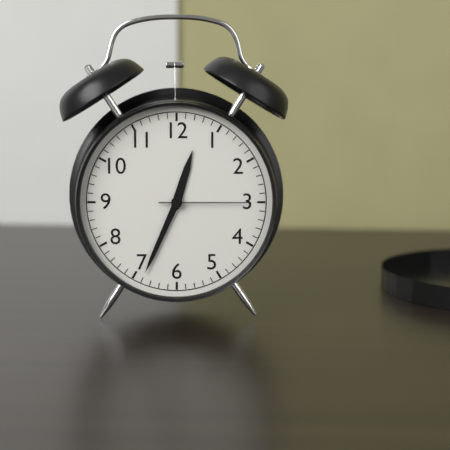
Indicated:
12.34.15
